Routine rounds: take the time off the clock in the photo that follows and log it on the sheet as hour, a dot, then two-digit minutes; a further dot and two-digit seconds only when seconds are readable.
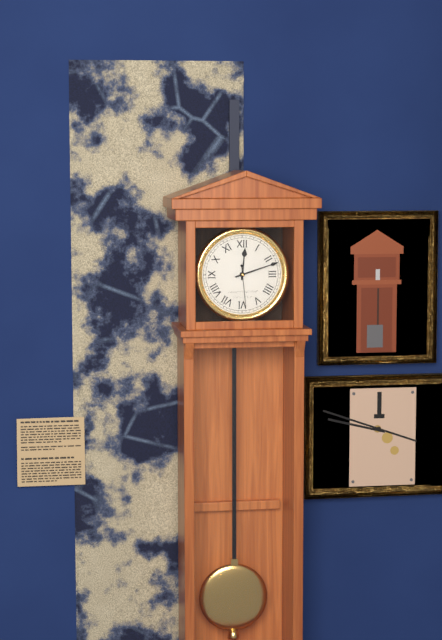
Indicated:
12.12
